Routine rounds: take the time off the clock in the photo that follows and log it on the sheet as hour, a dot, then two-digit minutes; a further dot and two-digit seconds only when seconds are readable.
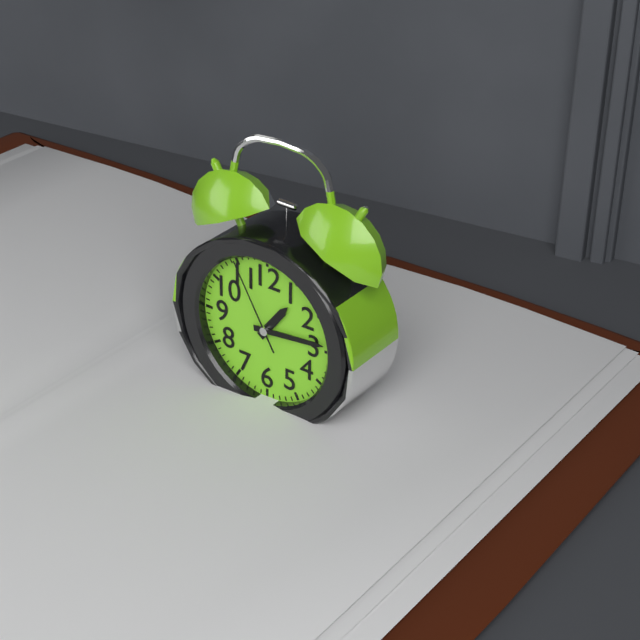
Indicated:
1.14.55
